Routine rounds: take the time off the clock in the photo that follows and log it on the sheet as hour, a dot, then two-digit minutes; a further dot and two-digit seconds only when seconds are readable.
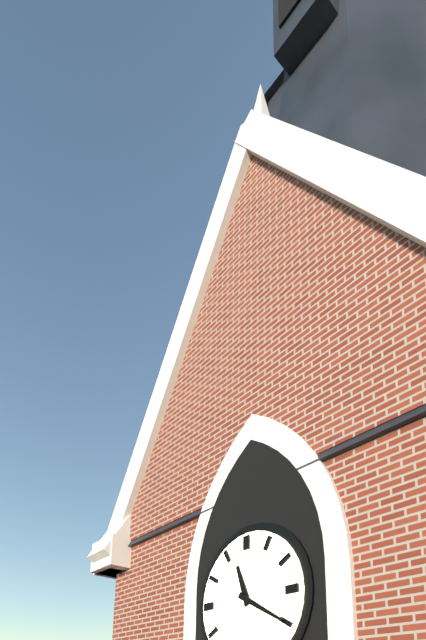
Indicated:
11.20
